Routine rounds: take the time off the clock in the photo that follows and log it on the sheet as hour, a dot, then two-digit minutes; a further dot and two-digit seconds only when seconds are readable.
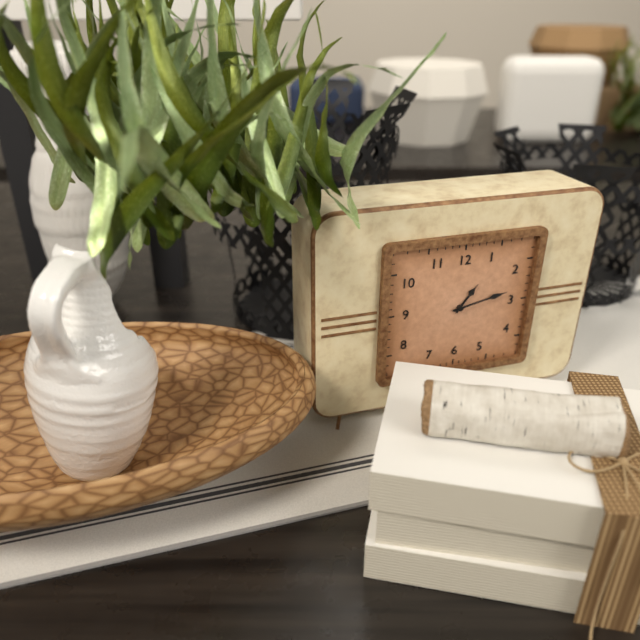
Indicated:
1.13
